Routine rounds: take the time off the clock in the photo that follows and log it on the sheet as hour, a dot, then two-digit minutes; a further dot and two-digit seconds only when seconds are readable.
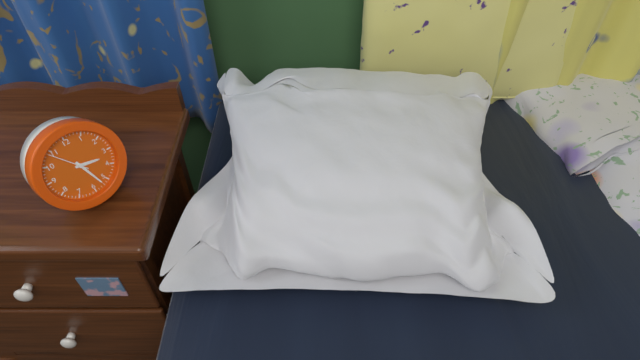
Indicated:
3.27
